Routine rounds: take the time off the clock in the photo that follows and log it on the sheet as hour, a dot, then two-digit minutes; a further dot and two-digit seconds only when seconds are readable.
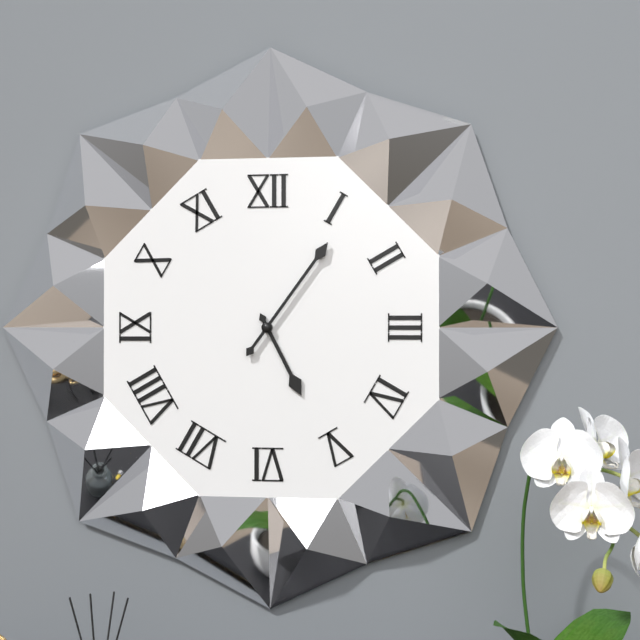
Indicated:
5.06
